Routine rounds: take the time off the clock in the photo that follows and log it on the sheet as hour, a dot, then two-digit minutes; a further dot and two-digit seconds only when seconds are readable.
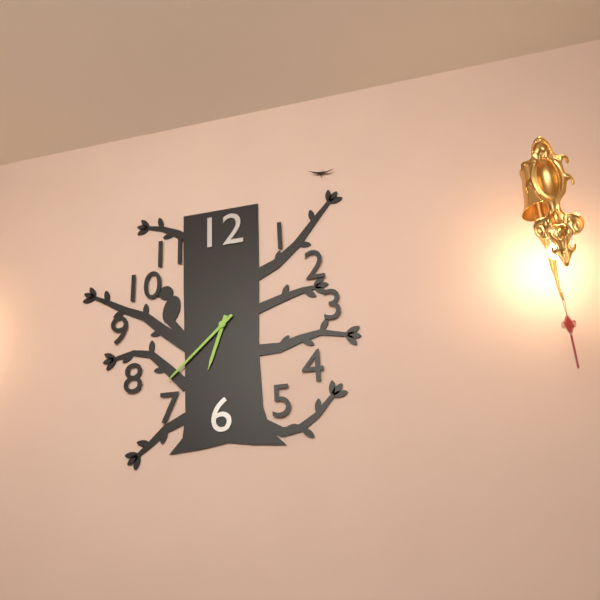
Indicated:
6.38
